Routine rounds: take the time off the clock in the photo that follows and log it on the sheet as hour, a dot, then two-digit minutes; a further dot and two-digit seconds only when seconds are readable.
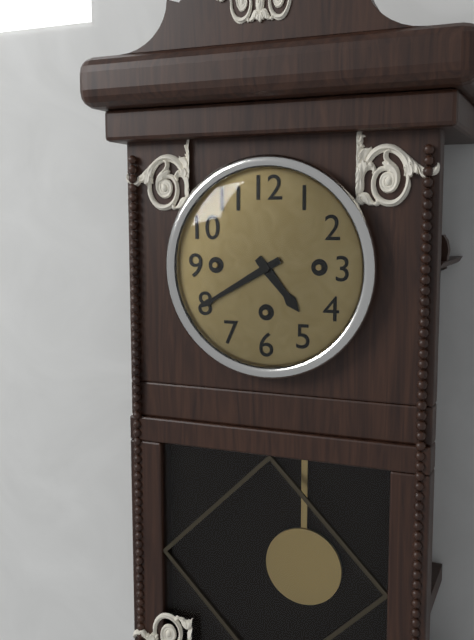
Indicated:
4.40
